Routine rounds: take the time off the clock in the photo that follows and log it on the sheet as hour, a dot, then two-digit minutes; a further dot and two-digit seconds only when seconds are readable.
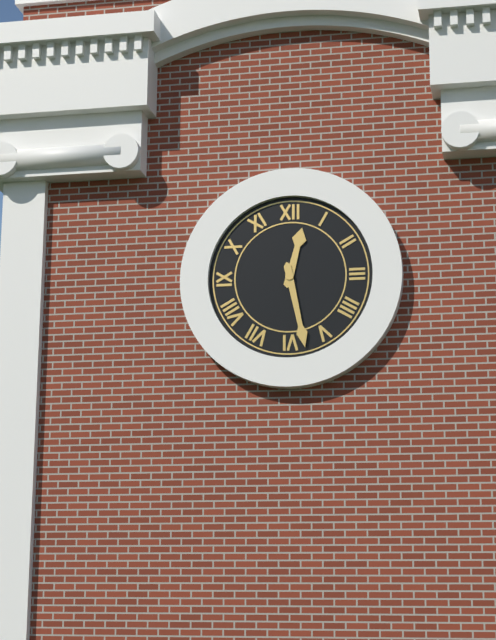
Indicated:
12.28
